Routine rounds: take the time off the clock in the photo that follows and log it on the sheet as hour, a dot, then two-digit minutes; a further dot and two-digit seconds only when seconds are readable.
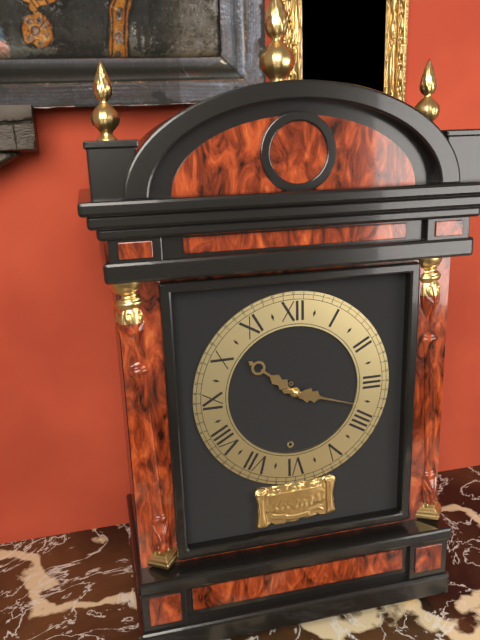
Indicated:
10.18
